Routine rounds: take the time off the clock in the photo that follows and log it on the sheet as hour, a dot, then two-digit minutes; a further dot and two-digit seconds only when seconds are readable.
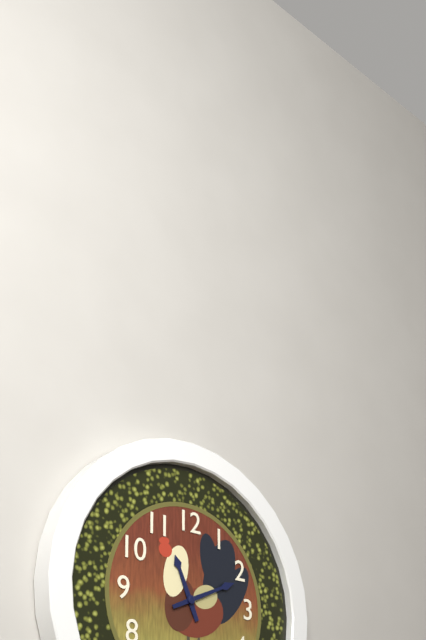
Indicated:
11.11
